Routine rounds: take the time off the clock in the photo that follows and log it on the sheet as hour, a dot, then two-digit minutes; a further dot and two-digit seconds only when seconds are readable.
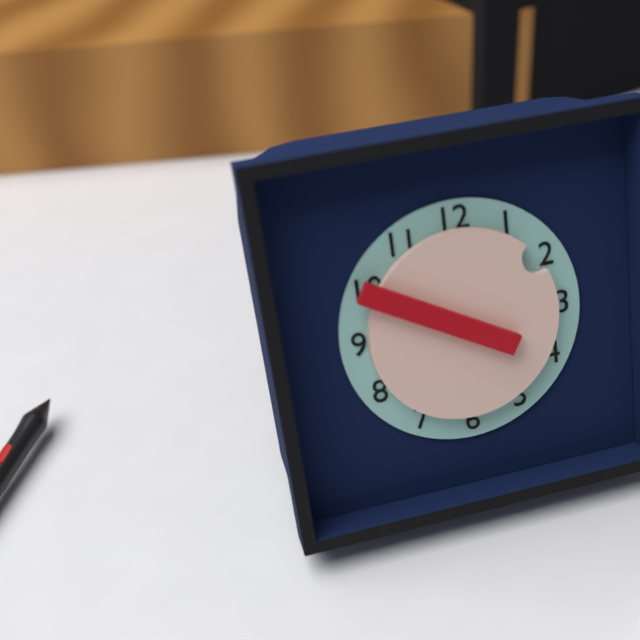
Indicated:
1.50
